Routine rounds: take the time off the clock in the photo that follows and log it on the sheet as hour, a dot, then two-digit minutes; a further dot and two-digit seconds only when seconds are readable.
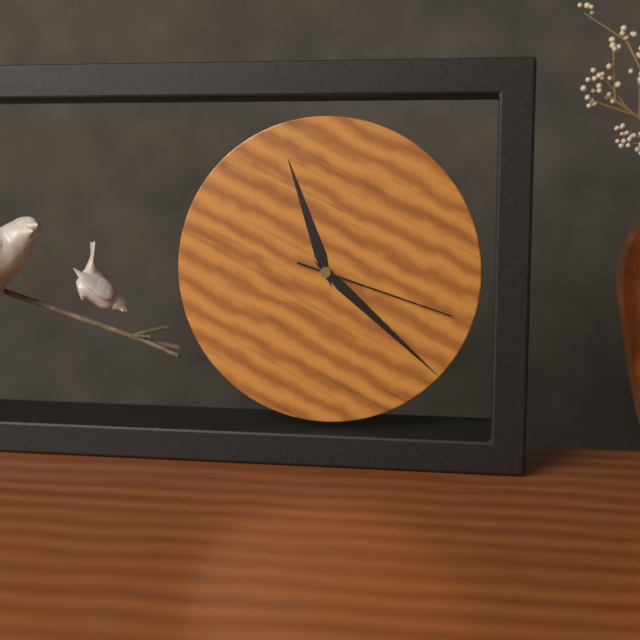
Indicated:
11.22.18
